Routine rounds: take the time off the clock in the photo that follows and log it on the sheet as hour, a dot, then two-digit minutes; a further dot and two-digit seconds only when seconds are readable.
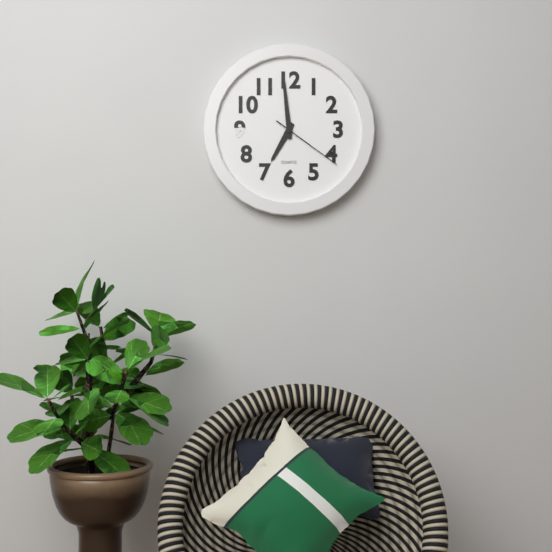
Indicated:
6.59.21
